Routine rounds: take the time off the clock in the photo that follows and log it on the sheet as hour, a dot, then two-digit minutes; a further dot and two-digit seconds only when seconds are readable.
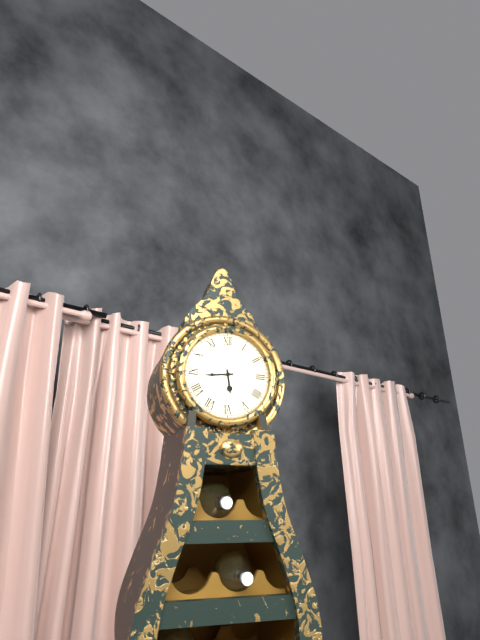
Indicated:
5.44
